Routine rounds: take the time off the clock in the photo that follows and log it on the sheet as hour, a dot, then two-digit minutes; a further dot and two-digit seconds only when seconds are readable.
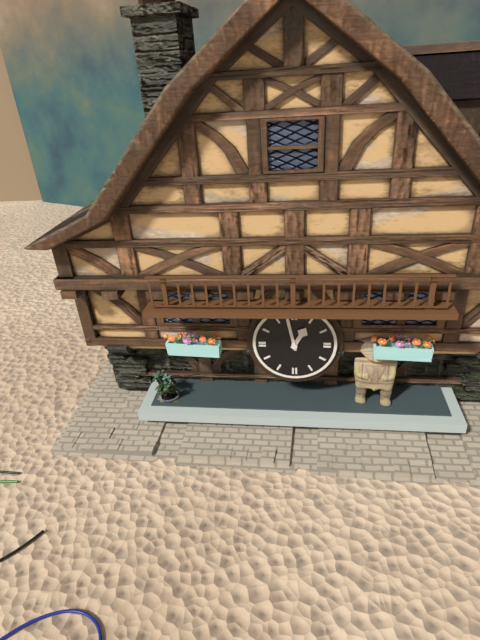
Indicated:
12.58
